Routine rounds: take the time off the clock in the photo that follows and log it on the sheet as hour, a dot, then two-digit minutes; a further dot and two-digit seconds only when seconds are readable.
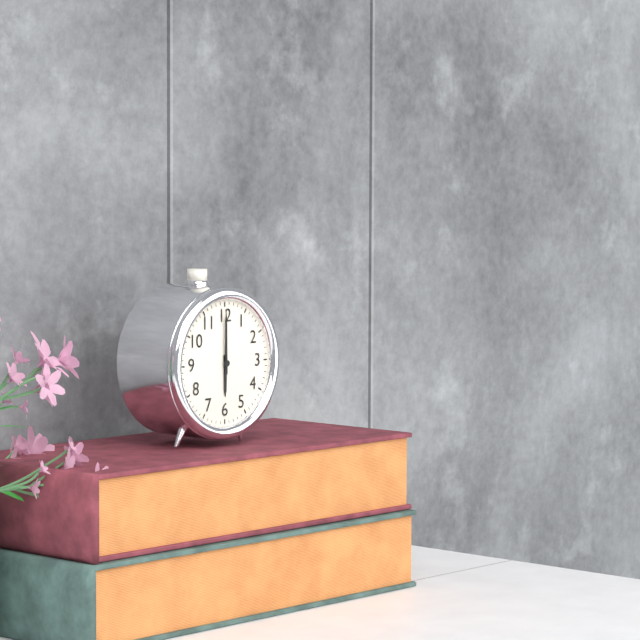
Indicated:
6.00
